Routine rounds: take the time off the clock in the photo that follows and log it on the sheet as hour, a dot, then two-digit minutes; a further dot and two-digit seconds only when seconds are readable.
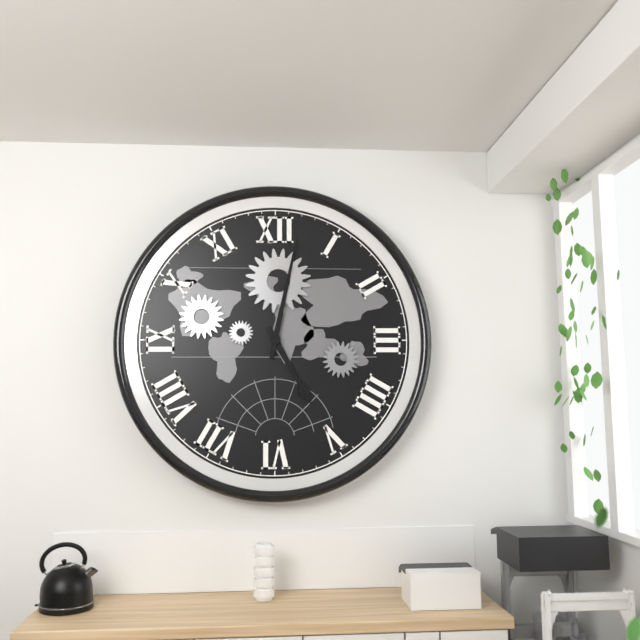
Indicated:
5.02
